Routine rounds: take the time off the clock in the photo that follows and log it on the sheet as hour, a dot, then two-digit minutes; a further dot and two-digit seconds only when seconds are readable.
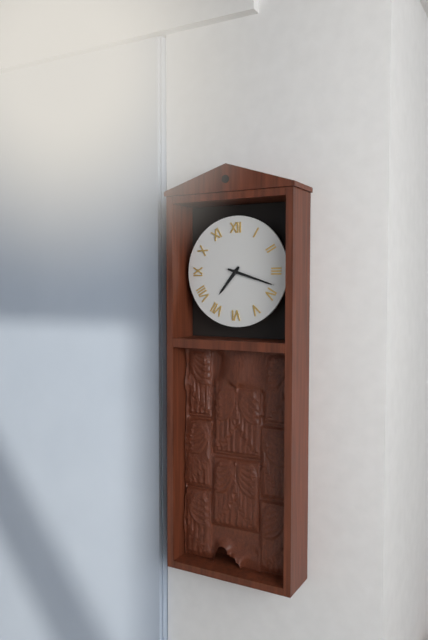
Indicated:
7.18
